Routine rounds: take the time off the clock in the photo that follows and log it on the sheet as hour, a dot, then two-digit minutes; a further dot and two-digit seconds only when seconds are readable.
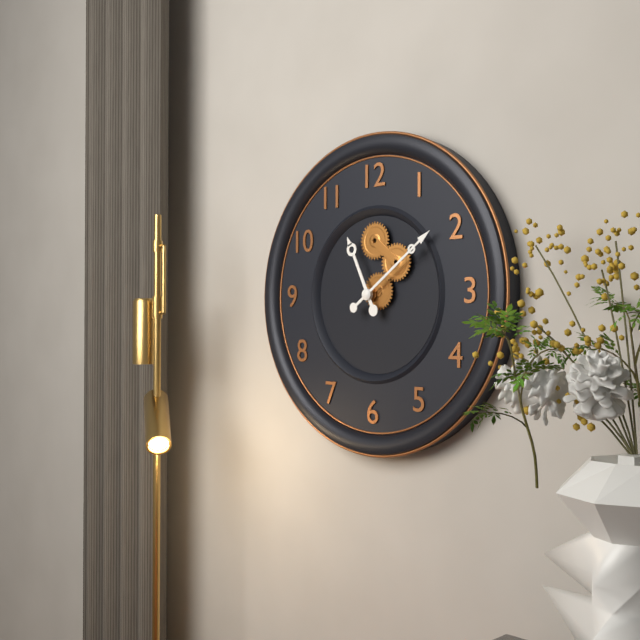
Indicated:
11.09
